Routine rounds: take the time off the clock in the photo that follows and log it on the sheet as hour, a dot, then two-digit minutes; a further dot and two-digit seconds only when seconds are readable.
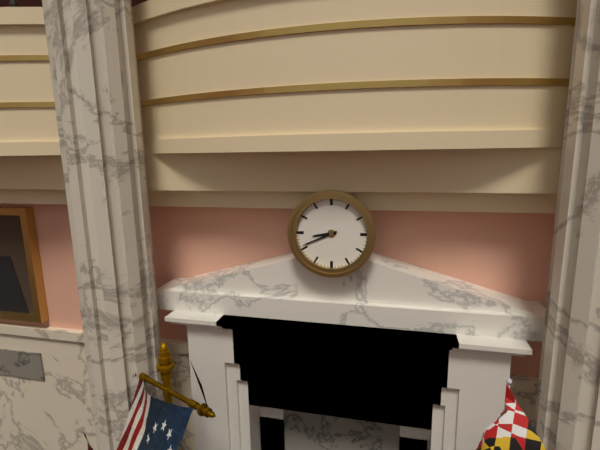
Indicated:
8.41
